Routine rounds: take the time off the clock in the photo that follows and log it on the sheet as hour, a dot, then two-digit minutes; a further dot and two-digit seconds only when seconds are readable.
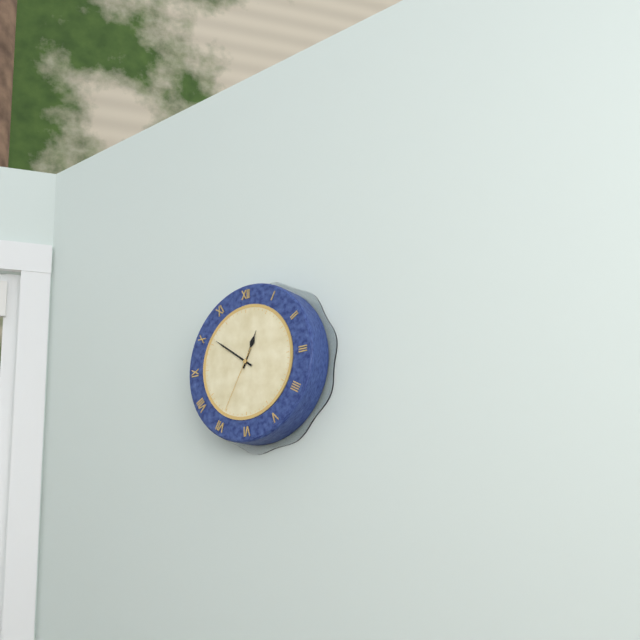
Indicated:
12.51.35
